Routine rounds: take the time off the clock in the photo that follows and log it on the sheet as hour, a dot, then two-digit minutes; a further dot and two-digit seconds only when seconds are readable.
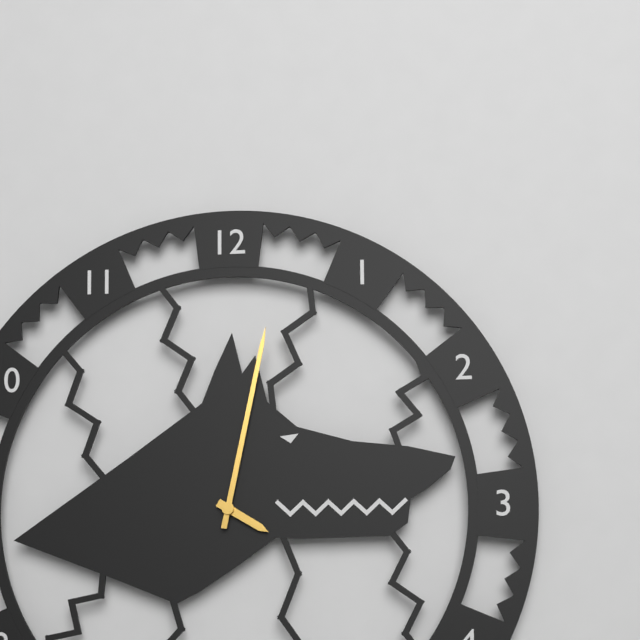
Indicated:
4.02
